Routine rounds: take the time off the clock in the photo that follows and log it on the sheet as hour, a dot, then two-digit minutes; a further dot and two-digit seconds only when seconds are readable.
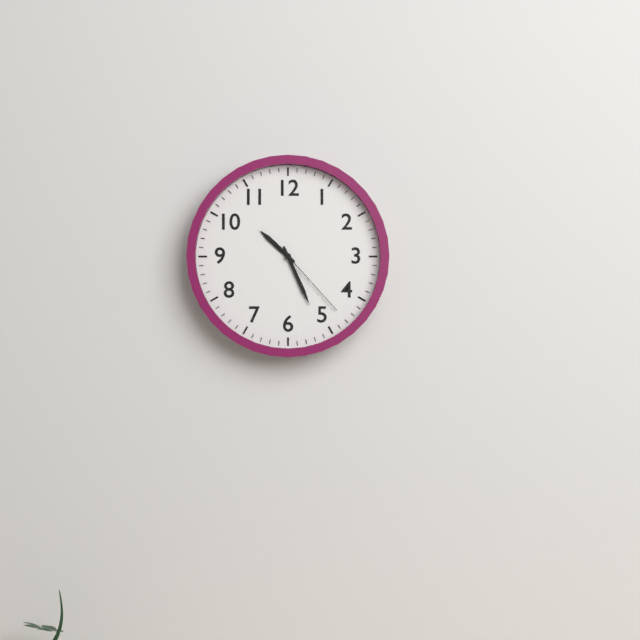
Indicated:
10.26.23
